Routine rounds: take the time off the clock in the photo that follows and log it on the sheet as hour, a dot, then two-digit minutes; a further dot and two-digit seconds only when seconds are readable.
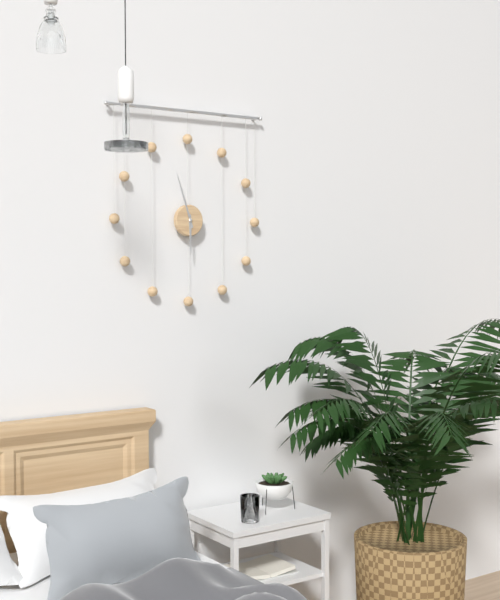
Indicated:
5.57
